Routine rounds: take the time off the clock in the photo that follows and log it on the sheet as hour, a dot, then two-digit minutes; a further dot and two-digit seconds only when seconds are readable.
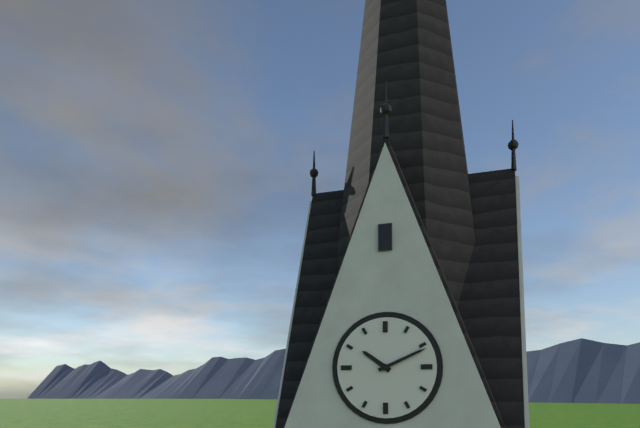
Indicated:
10.11
